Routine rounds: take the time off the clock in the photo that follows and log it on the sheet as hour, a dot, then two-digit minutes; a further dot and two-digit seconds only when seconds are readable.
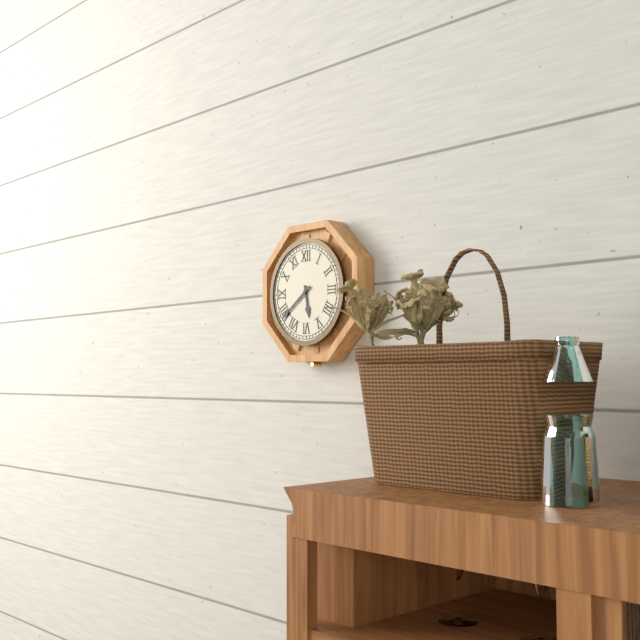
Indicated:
5.39
